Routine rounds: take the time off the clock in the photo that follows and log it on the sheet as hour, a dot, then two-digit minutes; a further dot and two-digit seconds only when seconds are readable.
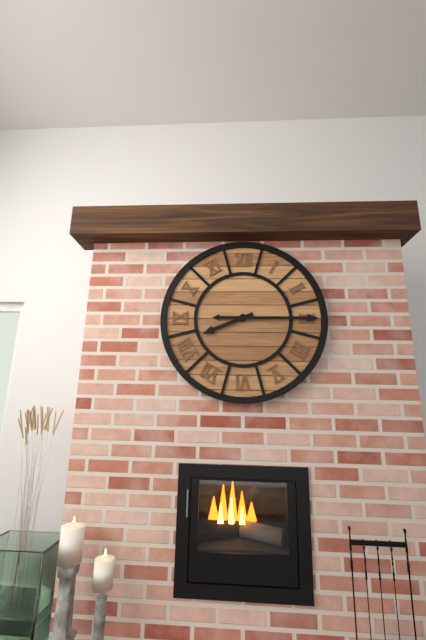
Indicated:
8.15
